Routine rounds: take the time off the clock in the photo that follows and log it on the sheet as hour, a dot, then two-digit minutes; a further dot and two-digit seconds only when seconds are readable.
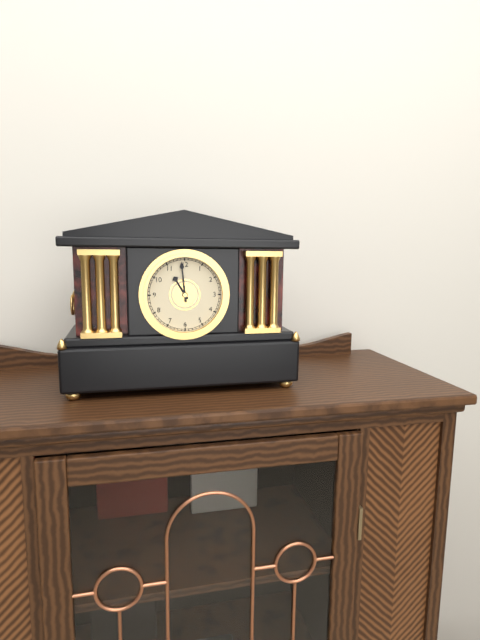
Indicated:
10.59
